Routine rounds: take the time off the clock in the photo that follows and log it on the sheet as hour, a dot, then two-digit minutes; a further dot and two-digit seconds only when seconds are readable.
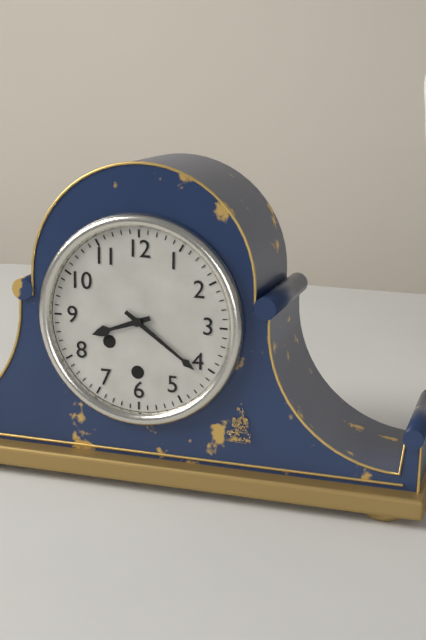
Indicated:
8.21
